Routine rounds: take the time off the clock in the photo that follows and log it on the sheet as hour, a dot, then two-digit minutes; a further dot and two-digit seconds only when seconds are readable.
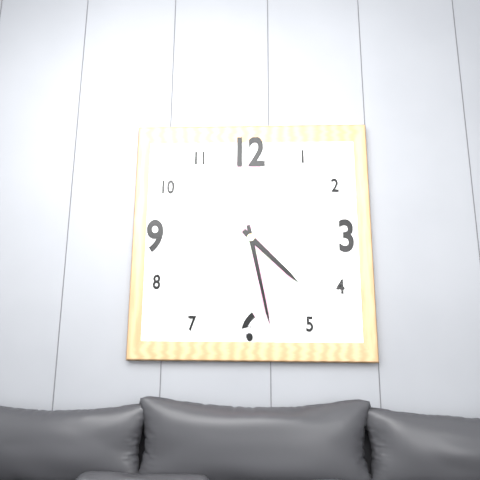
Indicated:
4.28
